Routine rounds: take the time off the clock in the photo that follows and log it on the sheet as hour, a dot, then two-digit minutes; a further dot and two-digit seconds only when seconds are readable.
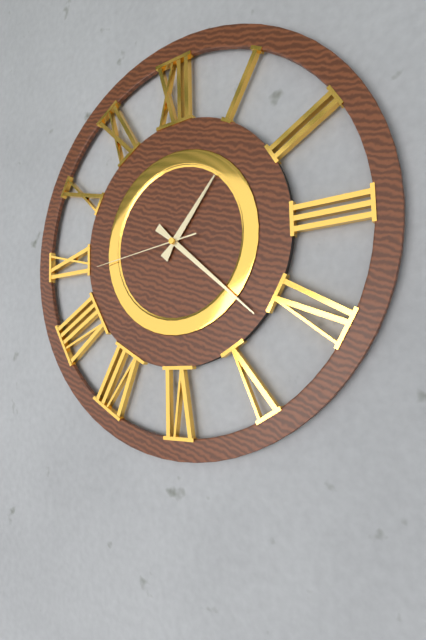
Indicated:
1.22.44
